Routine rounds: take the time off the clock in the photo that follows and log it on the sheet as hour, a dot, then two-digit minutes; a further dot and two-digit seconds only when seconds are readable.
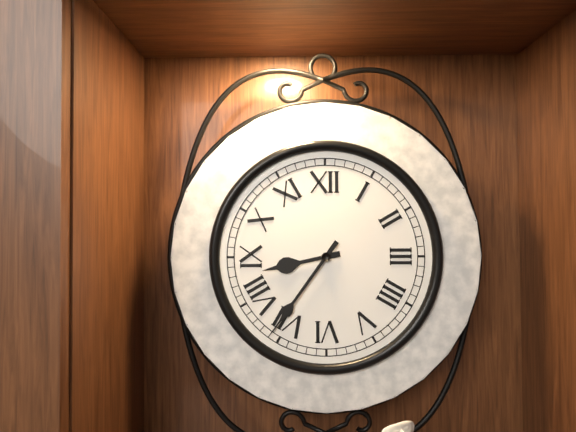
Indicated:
8.36
